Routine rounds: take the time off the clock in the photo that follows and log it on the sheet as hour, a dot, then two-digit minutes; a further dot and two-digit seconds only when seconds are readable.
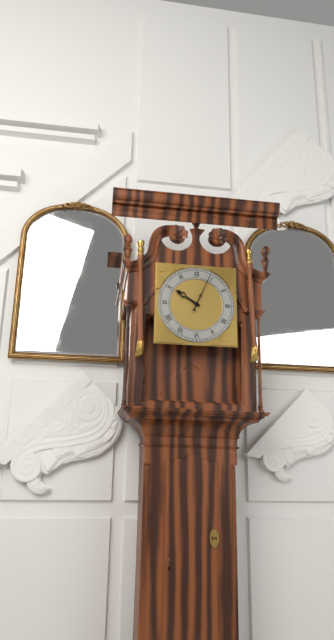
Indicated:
10.04
